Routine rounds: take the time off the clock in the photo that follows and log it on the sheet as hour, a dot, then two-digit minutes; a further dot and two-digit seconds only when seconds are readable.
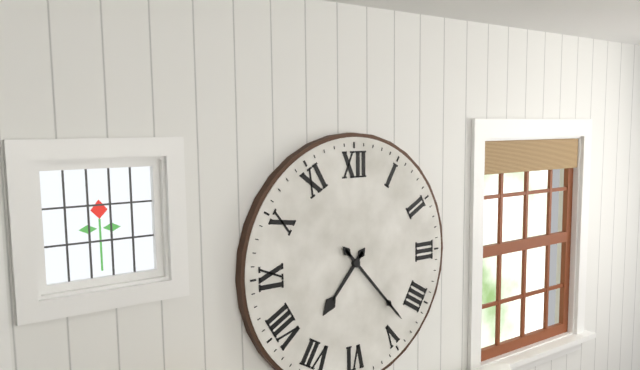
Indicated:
7.23
